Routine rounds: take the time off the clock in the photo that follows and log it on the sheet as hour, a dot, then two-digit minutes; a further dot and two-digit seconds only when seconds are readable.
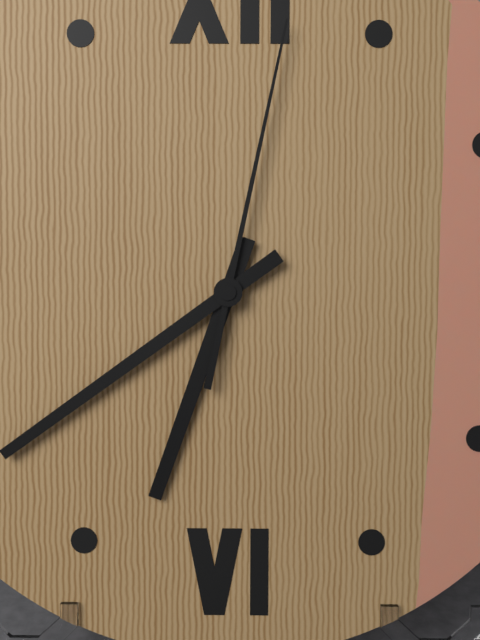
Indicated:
6.39.02
